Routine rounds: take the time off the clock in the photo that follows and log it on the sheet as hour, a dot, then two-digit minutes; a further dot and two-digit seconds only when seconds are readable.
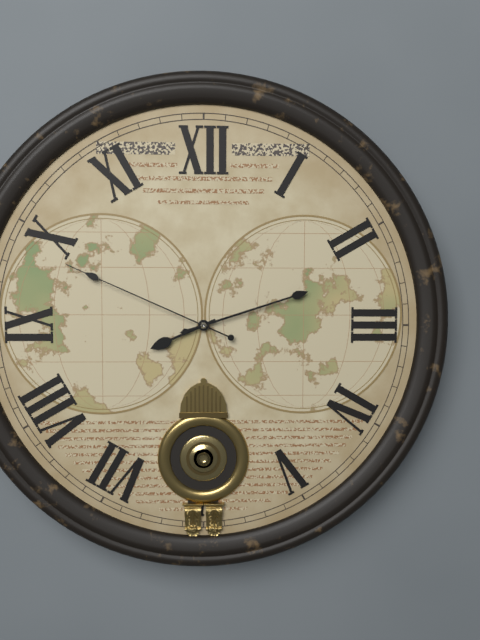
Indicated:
8.12.49
